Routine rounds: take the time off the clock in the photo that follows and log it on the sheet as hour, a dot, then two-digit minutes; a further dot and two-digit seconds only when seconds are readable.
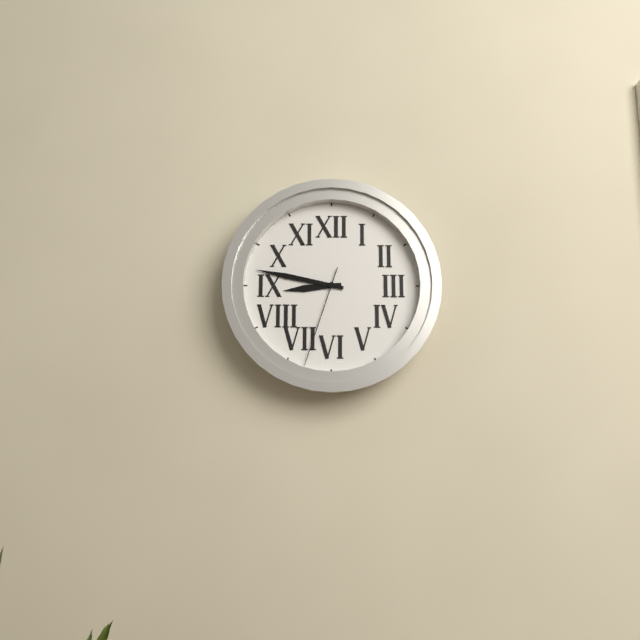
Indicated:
8.47.33
